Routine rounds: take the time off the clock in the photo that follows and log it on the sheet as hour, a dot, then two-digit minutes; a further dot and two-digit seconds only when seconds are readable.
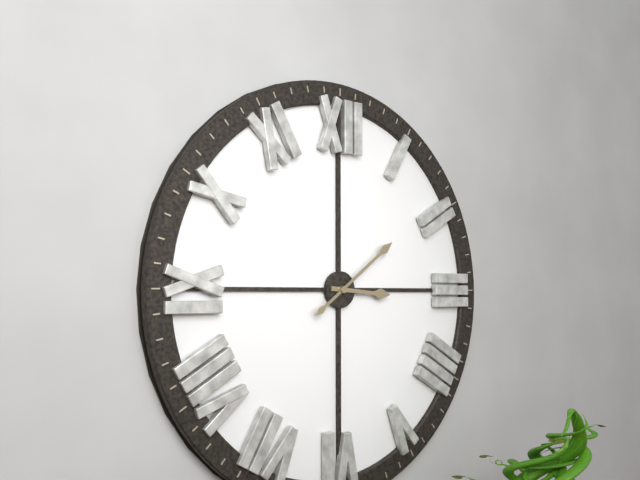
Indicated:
3.09
